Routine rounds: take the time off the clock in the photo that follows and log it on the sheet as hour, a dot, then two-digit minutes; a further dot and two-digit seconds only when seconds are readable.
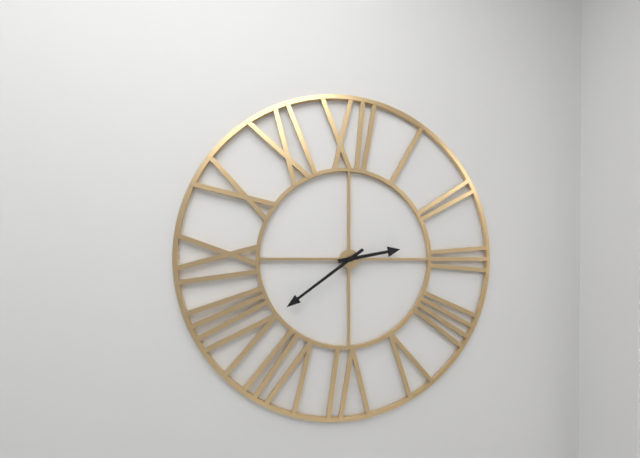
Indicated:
2.39
